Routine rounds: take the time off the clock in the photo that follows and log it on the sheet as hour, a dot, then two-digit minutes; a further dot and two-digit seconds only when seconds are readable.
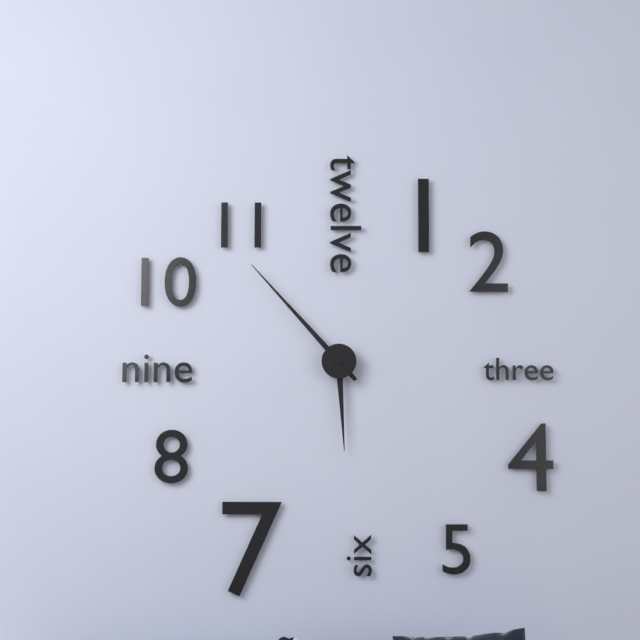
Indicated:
5.53
